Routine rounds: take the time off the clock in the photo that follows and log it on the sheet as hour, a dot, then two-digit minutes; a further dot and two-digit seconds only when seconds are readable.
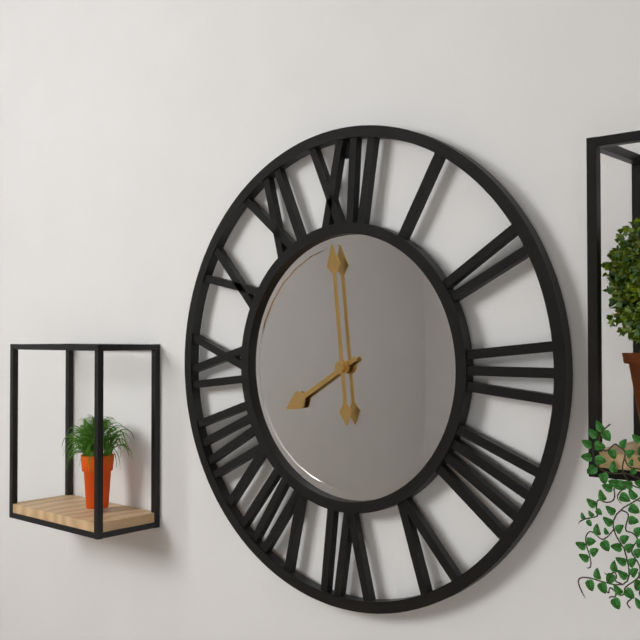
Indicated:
7.59
